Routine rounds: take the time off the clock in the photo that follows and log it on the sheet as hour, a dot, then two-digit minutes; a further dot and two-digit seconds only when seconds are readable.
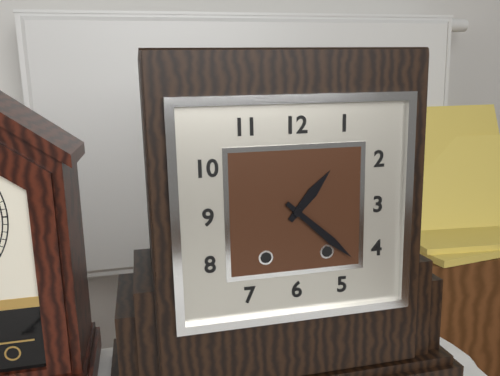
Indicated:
1.22
